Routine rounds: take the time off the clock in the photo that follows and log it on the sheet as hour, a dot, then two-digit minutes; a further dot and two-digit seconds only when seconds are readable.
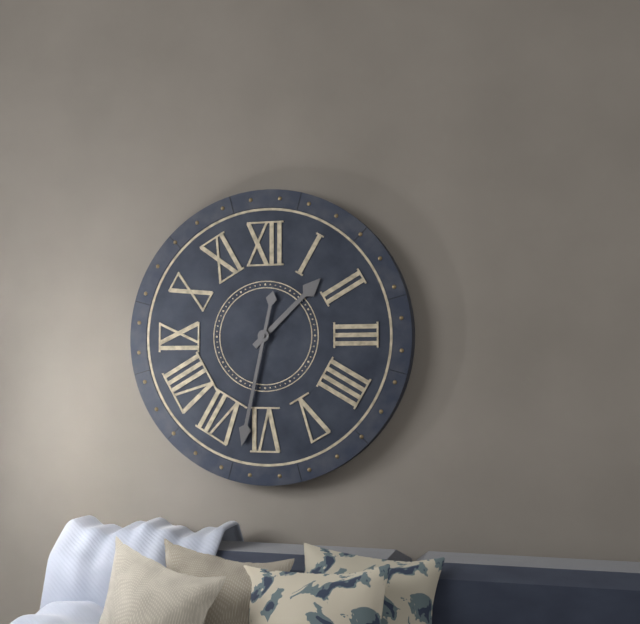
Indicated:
1.32
